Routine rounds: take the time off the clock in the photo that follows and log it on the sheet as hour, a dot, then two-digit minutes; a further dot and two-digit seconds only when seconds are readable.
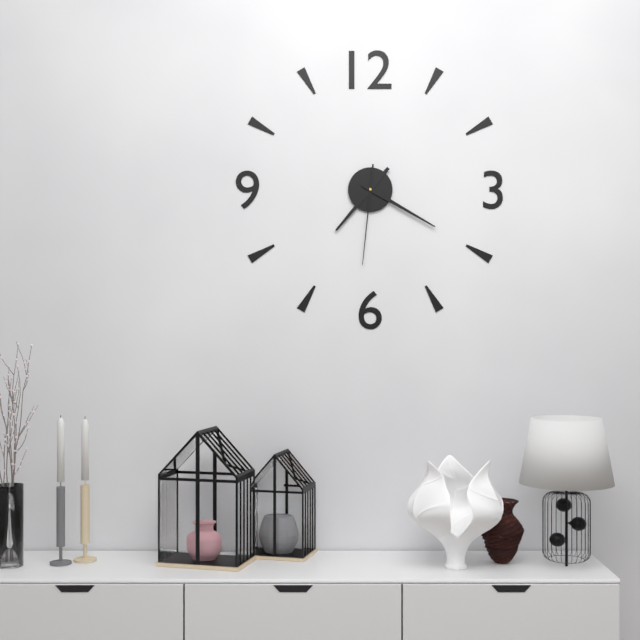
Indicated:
7.20.31
